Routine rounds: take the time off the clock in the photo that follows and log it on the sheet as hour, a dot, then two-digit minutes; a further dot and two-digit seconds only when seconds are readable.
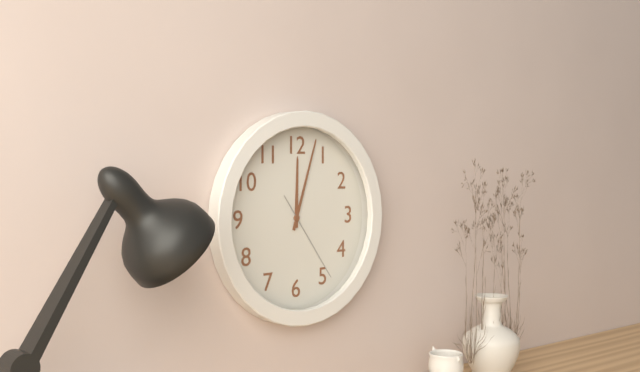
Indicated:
12.03.24
